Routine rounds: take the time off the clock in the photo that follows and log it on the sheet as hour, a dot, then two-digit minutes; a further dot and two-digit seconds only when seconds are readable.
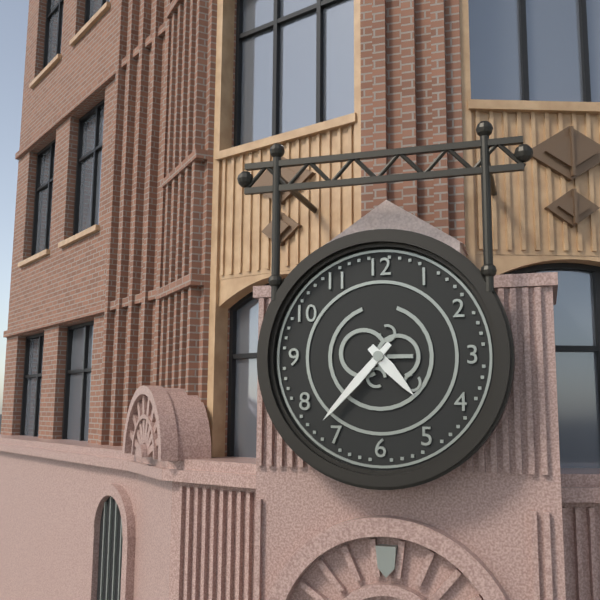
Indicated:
4.37
